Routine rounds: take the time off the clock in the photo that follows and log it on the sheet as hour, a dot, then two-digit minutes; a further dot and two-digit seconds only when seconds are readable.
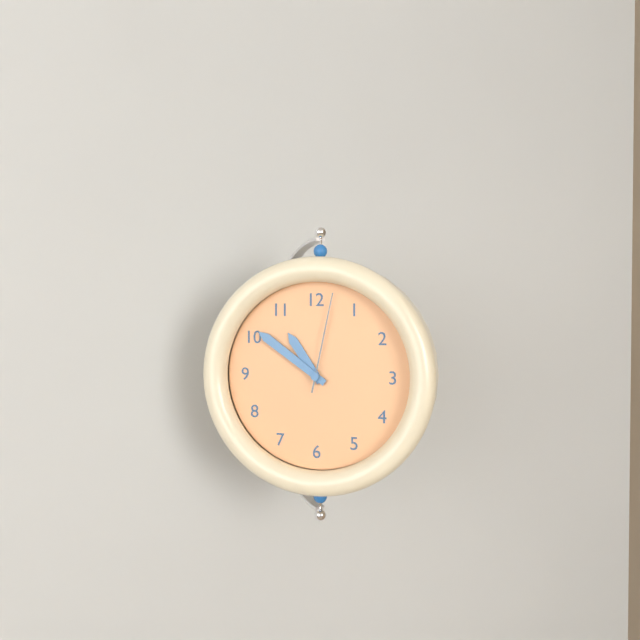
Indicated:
10.51.02
